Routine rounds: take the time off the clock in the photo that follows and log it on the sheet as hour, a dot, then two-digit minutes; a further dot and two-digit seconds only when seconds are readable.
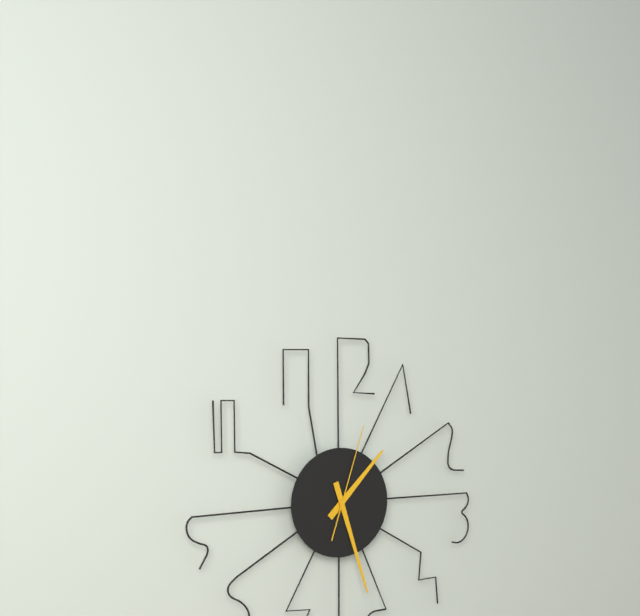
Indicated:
1.27.03
